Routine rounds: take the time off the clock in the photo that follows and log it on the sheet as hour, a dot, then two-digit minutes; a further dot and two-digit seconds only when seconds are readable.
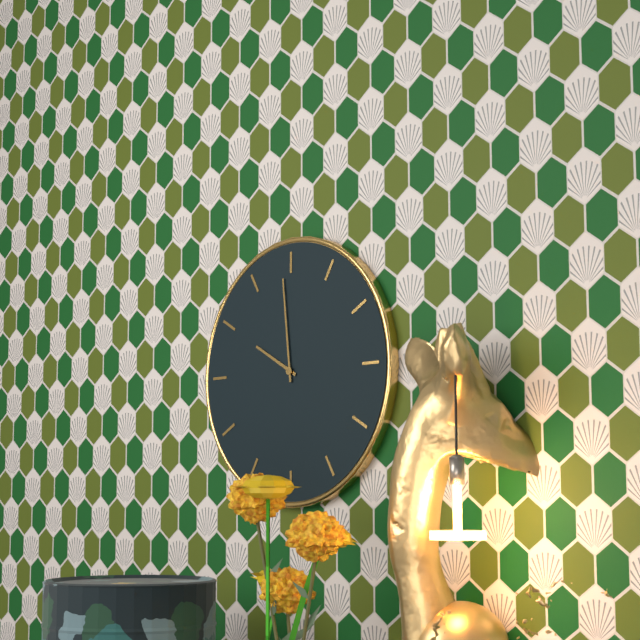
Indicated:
9.59
